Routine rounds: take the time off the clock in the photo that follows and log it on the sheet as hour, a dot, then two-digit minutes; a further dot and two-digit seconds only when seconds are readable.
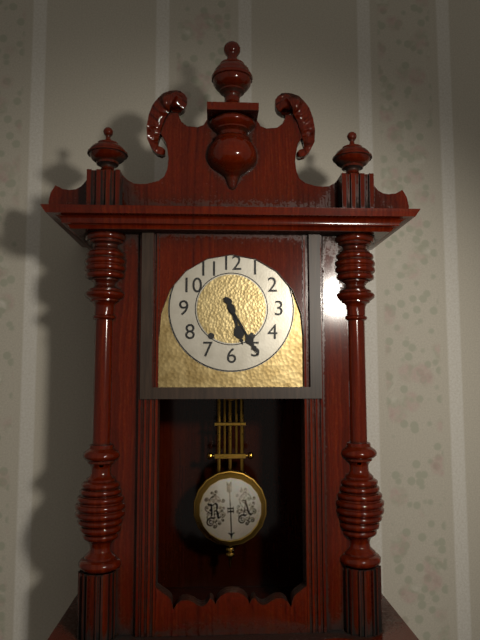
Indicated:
5.25
